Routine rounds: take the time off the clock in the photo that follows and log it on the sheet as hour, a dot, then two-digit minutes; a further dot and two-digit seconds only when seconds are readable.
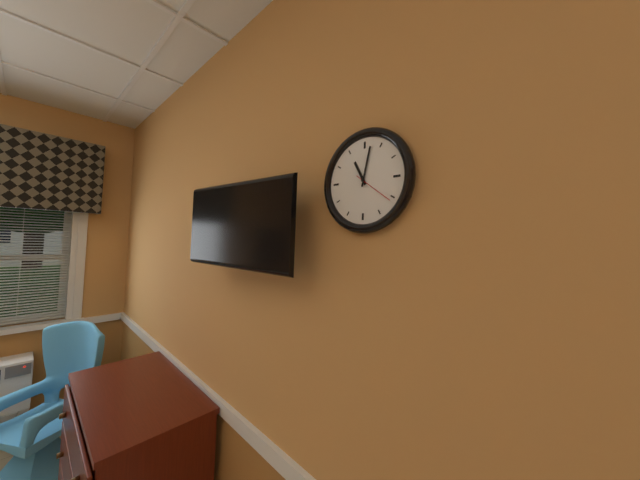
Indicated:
11.02
